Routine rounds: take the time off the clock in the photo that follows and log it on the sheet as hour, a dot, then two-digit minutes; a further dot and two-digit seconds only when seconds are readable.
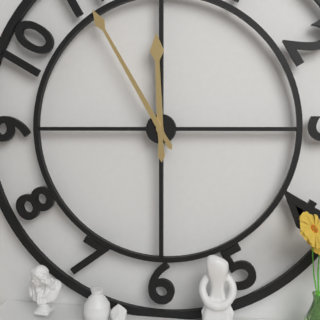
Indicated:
11.55
